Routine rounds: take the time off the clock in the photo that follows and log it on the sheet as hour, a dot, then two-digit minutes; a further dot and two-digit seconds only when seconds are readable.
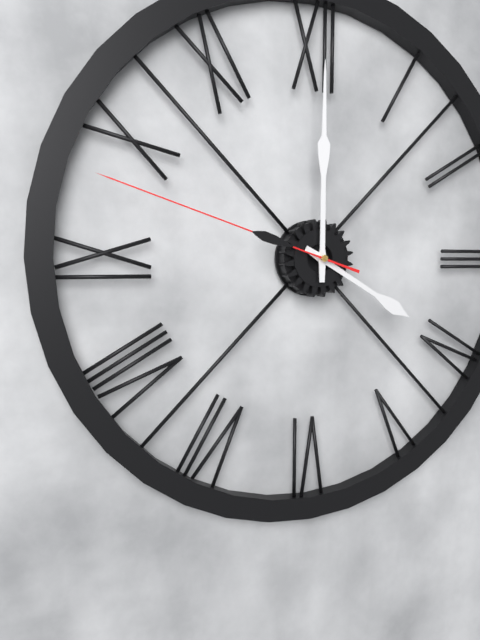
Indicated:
4.00.48
